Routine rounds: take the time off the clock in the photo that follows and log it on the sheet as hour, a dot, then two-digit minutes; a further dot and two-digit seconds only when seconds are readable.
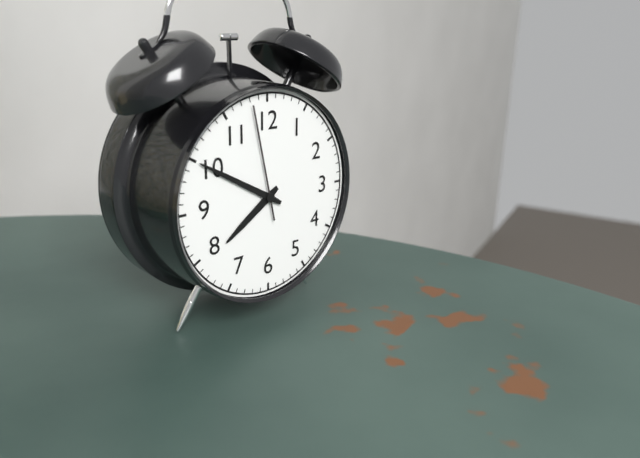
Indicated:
7.50.58
